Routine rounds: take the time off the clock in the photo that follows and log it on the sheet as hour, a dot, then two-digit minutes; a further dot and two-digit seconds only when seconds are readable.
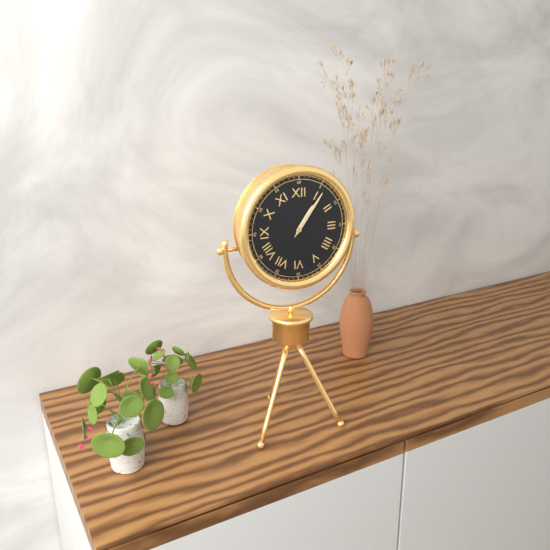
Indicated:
1.06
